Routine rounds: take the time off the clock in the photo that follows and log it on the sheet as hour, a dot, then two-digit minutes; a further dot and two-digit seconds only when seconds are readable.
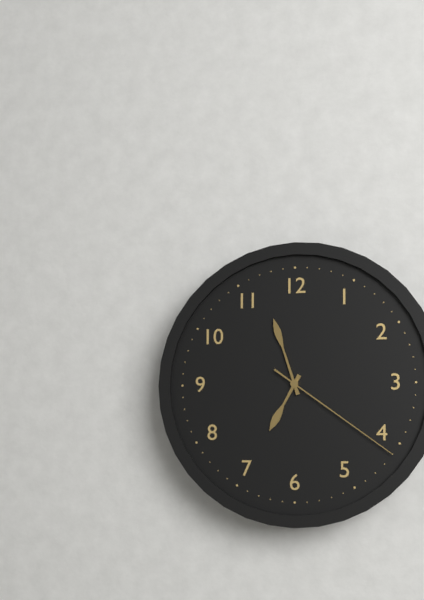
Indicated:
6.57.21
